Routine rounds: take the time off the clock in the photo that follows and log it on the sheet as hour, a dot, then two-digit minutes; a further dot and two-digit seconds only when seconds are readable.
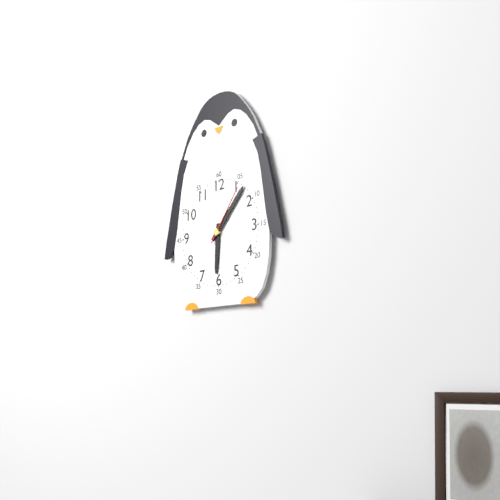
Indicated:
6.07.06
